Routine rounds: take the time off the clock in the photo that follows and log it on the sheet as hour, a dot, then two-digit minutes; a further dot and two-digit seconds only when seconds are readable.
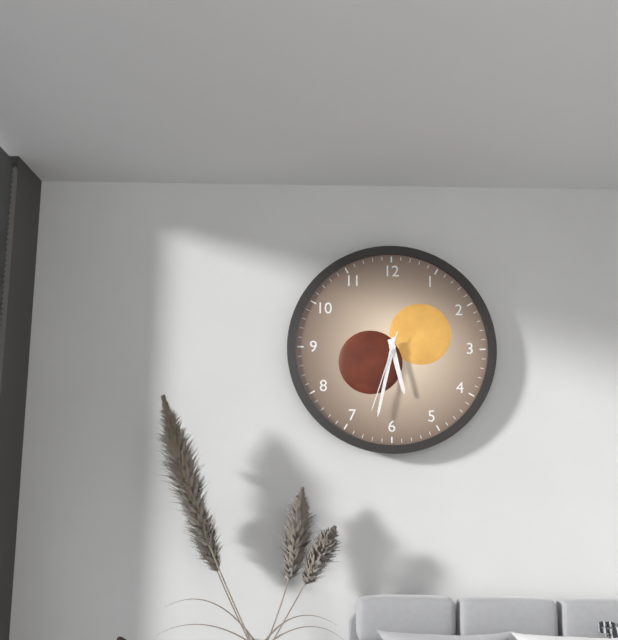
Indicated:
5.32.33
